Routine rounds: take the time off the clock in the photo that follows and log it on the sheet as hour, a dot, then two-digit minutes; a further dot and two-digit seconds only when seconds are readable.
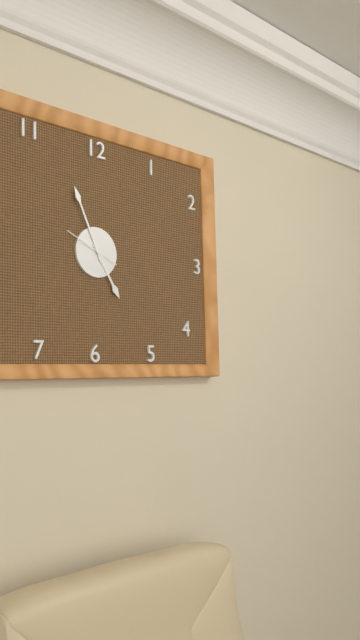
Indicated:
4.56
